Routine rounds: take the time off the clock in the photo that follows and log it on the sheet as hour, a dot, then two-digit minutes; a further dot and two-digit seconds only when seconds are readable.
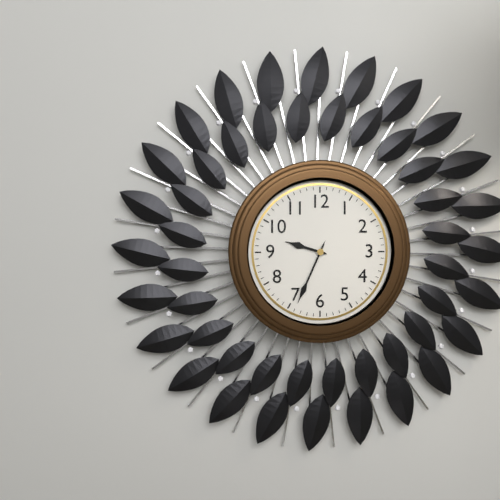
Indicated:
9.34
